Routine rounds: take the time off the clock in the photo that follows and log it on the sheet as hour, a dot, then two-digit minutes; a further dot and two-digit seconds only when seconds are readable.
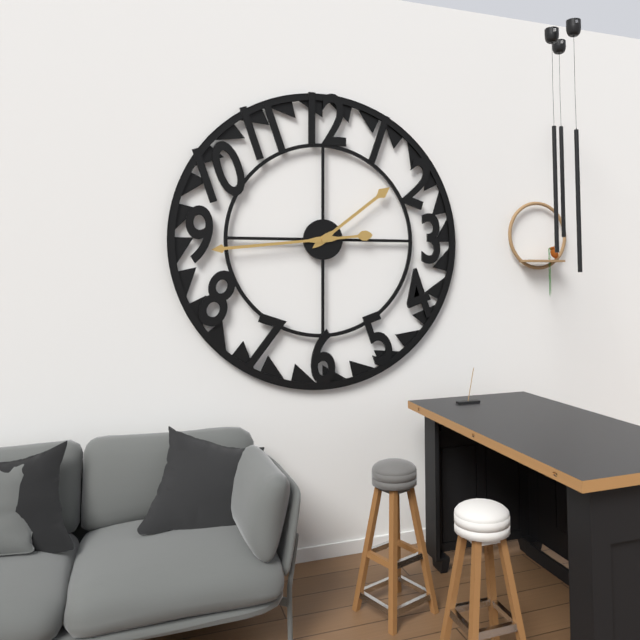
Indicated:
1.44
